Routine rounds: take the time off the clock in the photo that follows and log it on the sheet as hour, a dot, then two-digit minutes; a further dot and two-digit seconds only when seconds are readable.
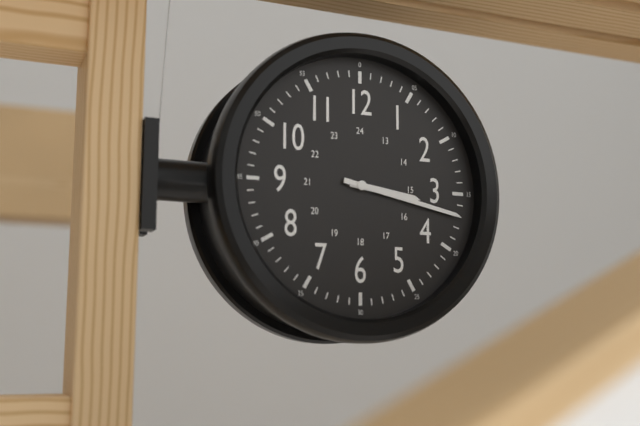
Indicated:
3.17
